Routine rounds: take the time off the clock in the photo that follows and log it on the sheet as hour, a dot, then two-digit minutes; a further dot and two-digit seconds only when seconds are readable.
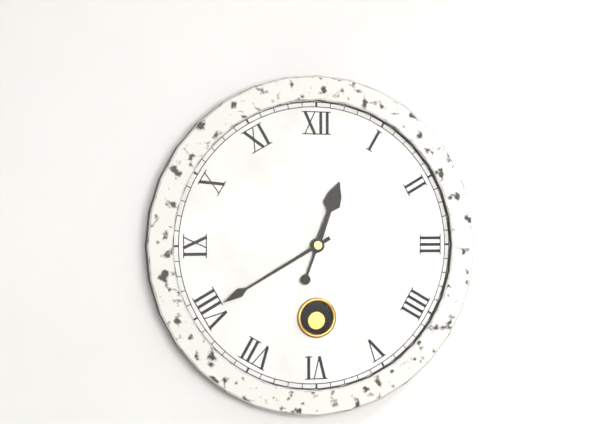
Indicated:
12.40
